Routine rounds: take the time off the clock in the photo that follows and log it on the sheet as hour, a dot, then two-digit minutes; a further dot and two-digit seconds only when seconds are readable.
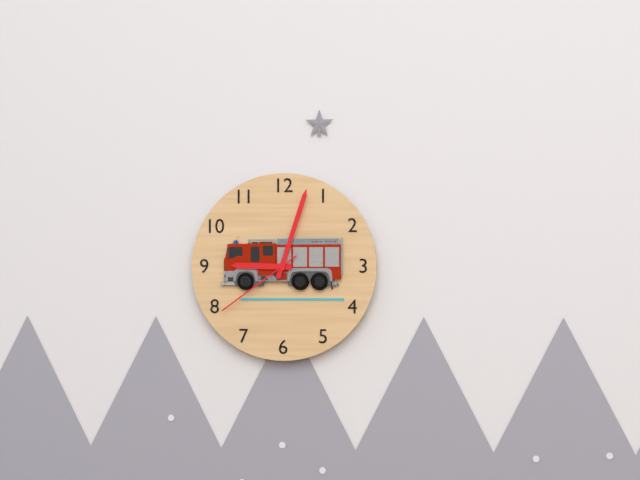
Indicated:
9.03.39
